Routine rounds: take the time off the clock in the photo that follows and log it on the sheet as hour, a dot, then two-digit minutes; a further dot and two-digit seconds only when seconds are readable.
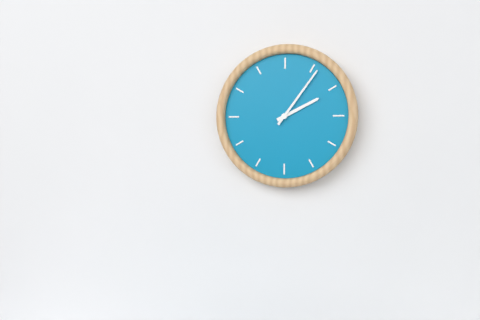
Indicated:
2.06
